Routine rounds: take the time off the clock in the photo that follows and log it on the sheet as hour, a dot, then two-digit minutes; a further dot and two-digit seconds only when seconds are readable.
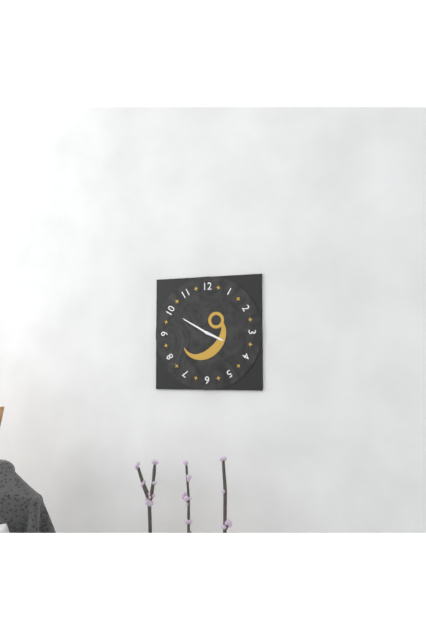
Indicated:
3.50
